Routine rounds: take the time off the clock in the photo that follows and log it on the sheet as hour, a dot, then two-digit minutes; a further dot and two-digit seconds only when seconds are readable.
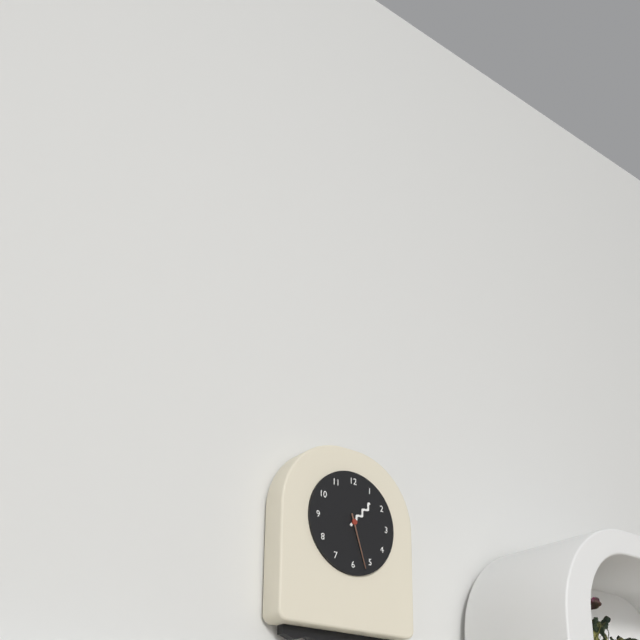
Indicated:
1.27
